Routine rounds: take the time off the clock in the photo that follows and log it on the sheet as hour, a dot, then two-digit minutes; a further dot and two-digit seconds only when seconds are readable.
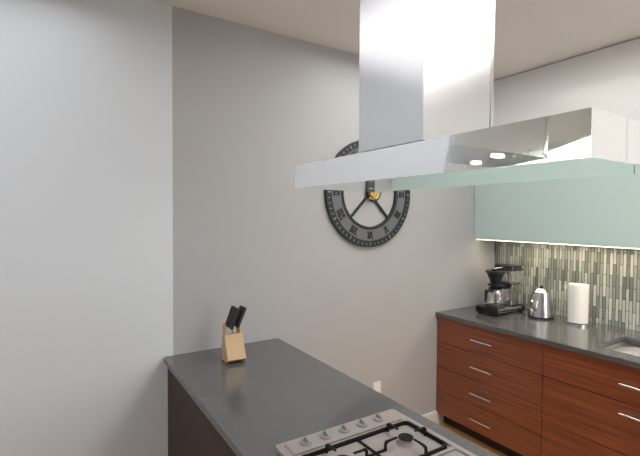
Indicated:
11.06
